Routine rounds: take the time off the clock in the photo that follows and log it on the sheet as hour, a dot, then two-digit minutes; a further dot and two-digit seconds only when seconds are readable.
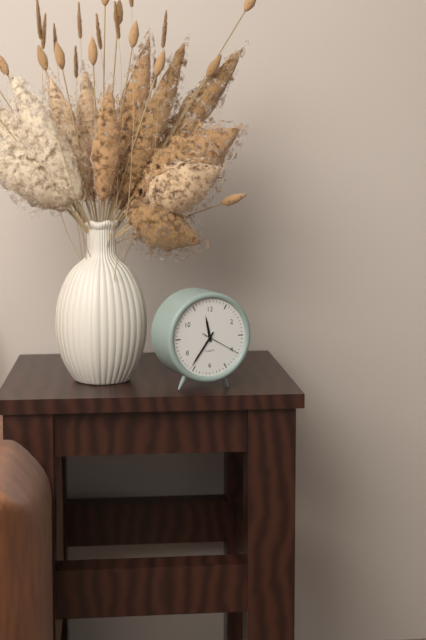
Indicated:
11.36
